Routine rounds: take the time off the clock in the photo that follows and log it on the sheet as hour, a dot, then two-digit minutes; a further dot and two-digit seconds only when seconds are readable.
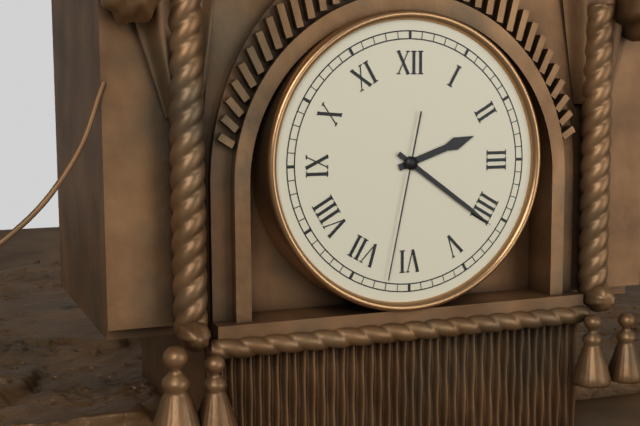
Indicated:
2.21.32
